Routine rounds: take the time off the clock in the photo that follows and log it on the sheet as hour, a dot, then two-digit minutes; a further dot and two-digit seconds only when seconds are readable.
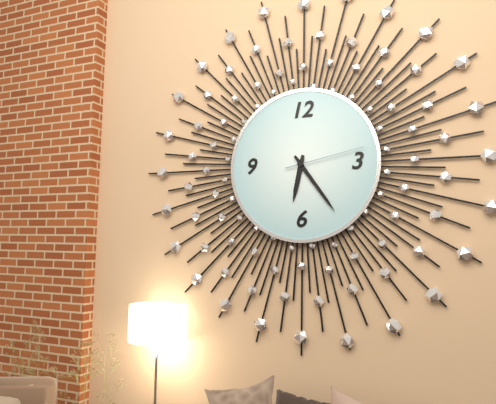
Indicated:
6.24.13
